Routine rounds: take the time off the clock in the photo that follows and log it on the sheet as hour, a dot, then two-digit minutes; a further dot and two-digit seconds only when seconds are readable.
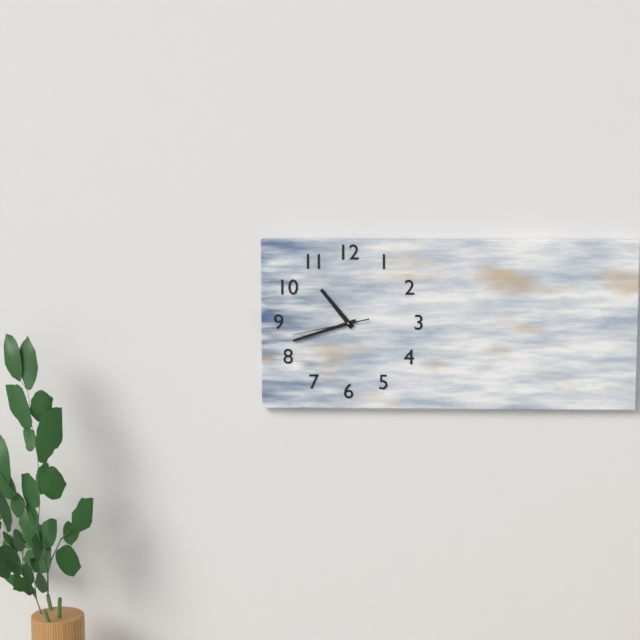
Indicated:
10.42.43
